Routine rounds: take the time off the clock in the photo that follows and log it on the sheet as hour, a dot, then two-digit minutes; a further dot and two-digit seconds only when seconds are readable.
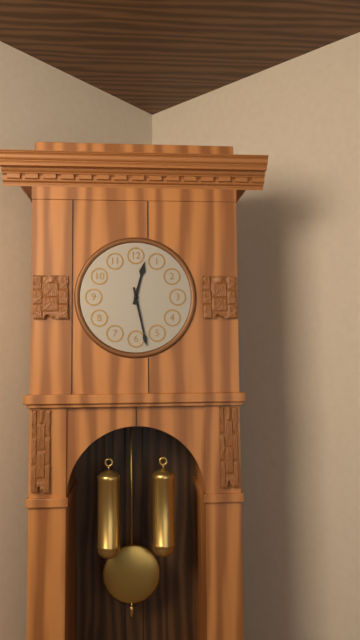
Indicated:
12.28
